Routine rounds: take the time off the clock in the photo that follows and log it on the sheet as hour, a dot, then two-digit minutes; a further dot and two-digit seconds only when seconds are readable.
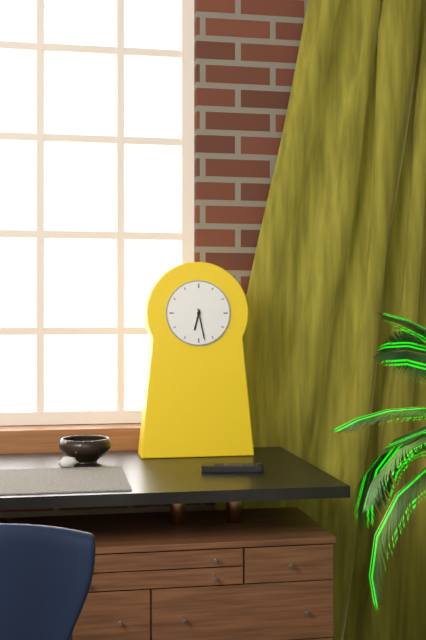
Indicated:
6.28
